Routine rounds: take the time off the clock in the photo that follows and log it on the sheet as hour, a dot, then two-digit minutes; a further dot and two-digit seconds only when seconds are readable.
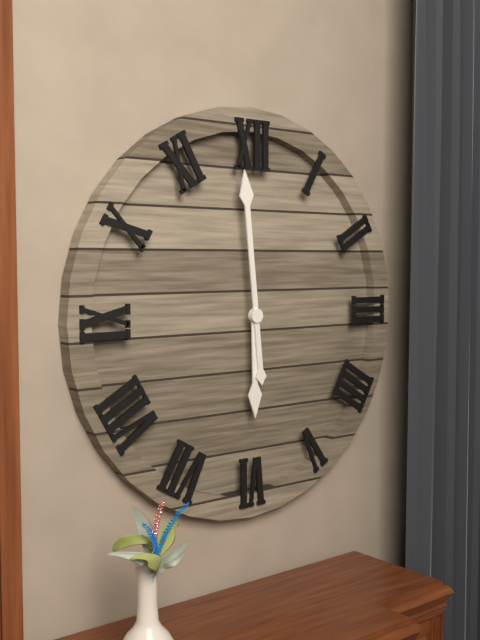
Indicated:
5.59
